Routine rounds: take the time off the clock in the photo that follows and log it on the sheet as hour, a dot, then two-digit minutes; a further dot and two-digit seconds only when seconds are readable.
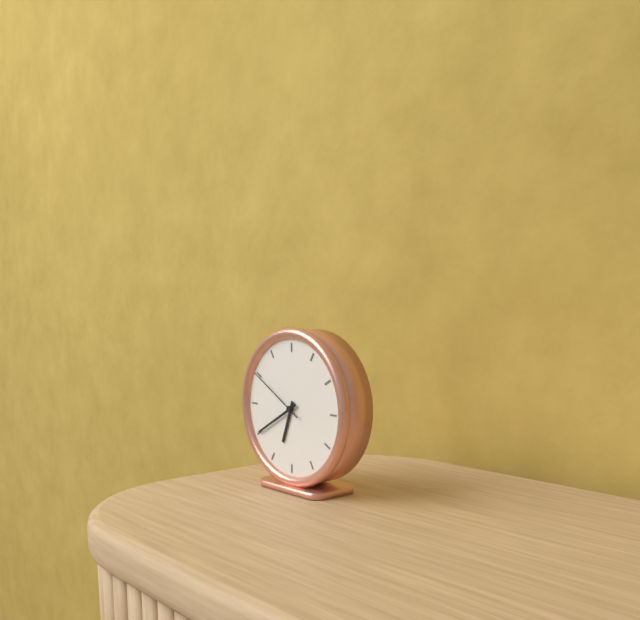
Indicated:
6.40.50
